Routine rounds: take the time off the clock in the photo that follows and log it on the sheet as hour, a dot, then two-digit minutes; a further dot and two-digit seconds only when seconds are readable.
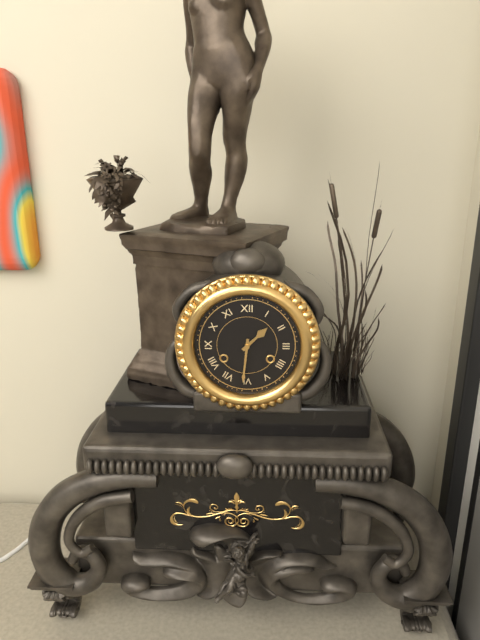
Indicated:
1.31
